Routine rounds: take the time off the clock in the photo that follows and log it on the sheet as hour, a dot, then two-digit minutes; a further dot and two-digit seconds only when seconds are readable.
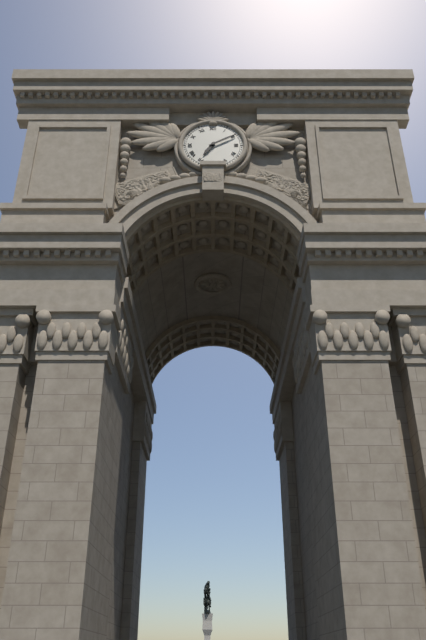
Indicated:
7.10
